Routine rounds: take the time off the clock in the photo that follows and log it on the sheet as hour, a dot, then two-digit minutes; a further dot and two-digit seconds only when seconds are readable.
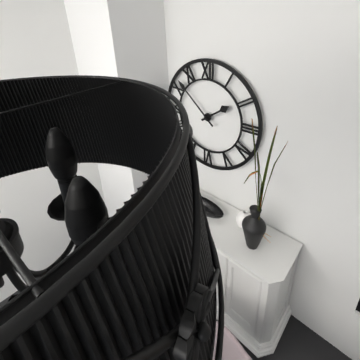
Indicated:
1.52
